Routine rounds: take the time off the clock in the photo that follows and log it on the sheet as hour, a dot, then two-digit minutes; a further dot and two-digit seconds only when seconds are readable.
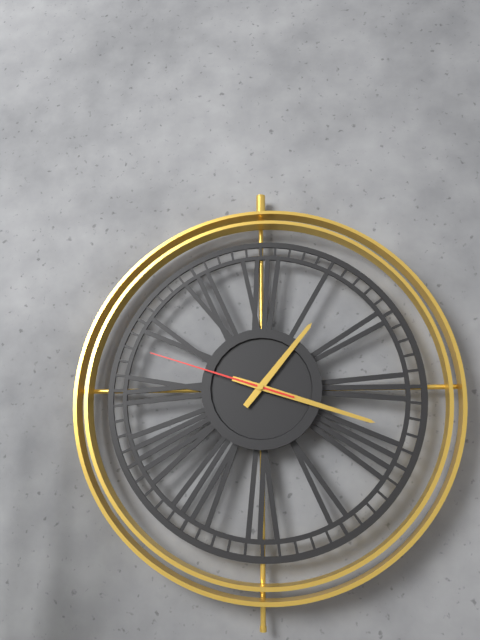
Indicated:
1.18.48
